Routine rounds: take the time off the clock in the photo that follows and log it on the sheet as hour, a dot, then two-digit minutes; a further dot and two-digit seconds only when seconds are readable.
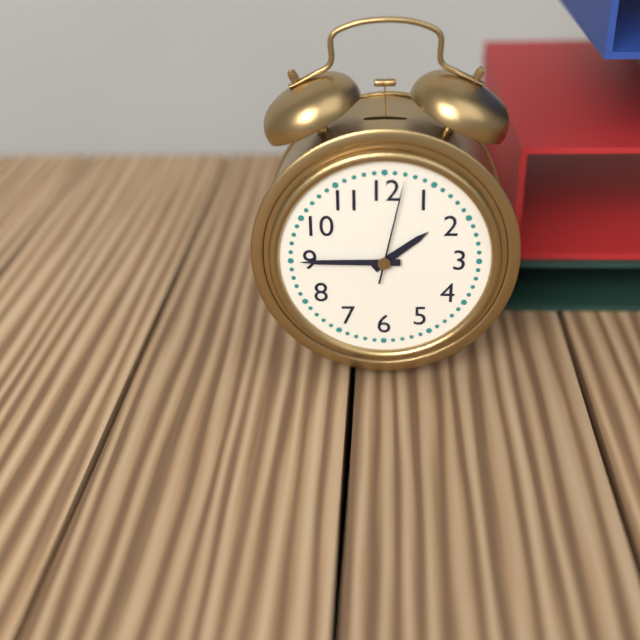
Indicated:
1.45.02
